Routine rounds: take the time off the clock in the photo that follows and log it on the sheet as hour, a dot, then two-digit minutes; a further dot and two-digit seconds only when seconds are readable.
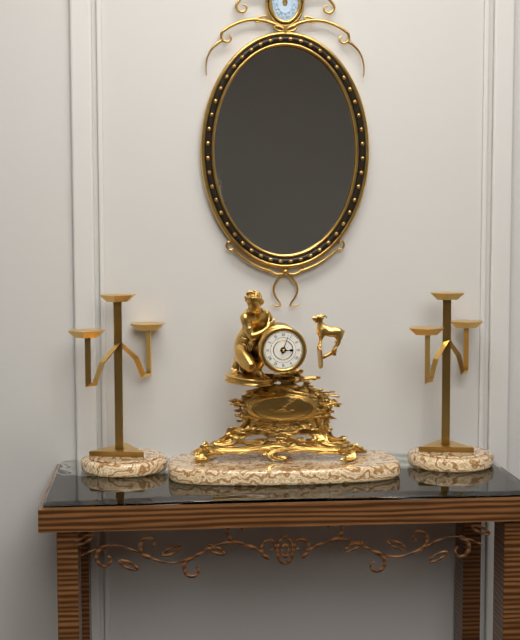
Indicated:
3.03
